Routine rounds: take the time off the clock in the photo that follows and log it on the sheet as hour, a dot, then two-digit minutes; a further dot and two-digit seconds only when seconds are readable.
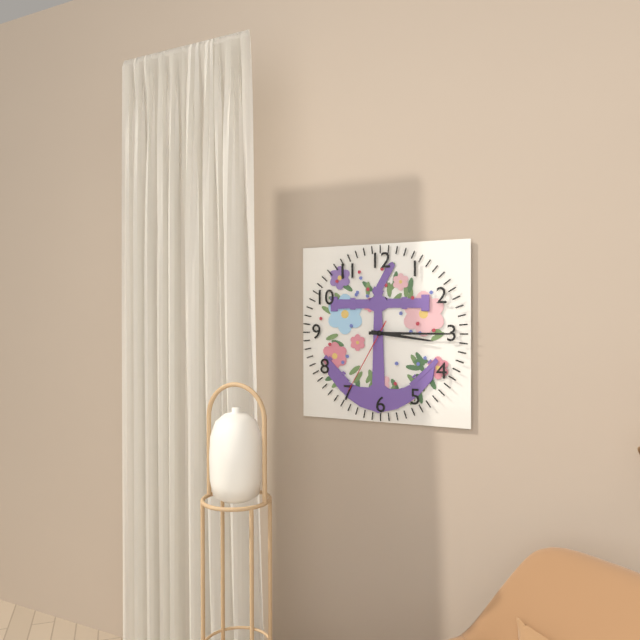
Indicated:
3.15.35
